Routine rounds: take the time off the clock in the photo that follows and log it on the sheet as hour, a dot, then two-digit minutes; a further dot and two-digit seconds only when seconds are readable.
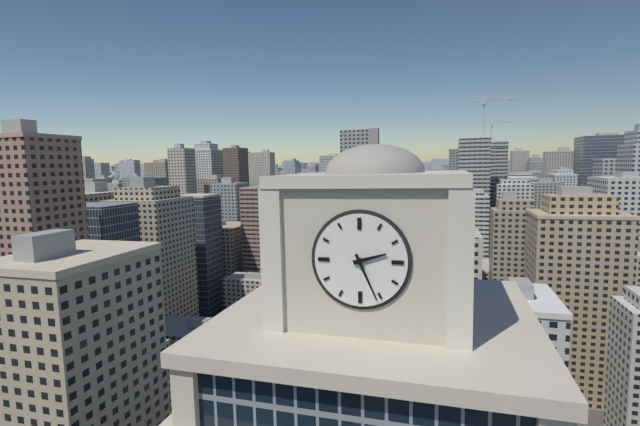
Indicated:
2.26
